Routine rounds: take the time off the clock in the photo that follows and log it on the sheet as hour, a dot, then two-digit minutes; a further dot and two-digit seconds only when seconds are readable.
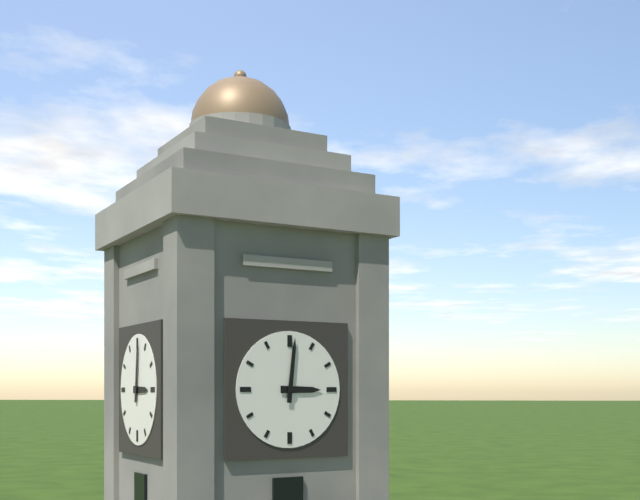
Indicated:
3.01
